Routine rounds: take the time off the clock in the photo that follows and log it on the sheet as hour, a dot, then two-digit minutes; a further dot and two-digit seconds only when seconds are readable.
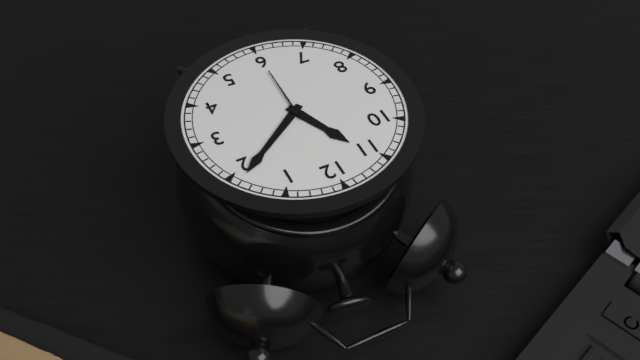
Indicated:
11.09.30
